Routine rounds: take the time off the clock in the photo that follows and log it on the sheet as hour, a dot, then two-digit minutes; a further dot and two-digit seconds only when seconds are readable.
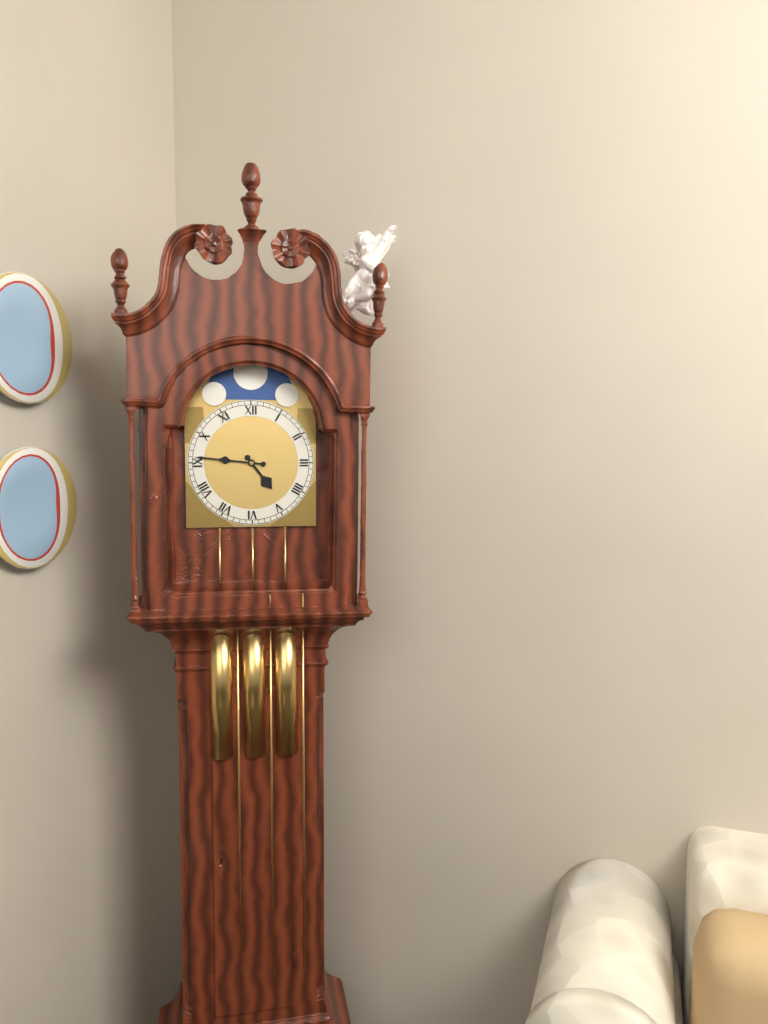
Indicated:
4.46
